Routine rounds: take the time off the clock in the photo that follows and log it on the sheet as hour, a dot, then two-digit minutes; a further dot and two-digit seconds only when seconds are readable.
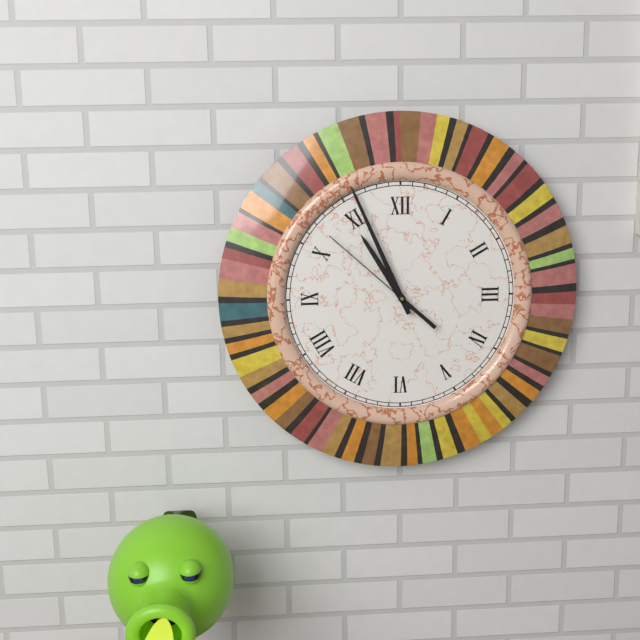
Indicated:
10.56.52
